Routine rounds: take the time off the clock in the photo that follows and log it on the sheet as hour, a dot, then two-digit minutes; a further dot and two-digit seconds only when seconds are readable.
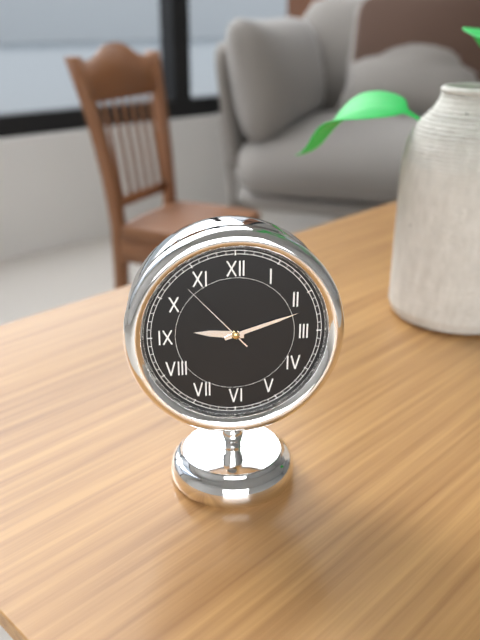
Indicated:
9.12.53
